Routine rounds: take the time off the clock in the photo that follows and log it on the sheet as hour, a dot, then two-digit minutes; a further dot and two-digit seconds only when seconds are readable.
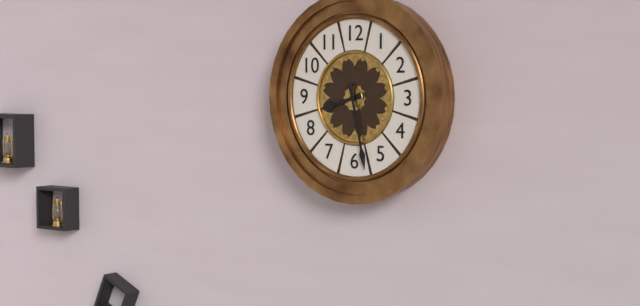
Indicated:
8.28
